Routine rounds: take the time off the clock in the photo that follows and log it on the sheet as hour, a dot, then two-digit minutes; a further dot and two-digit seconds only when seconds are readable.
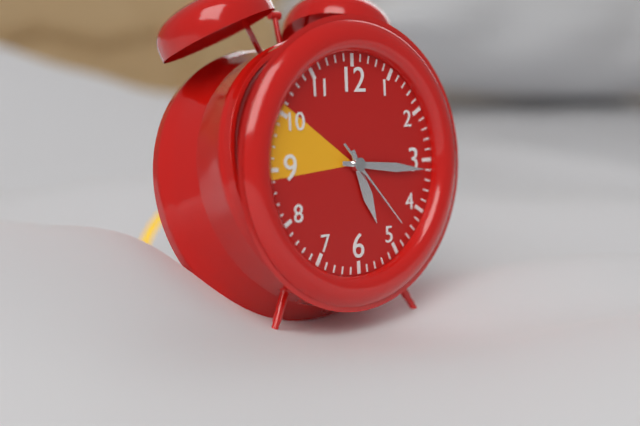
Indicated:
5.16.23
